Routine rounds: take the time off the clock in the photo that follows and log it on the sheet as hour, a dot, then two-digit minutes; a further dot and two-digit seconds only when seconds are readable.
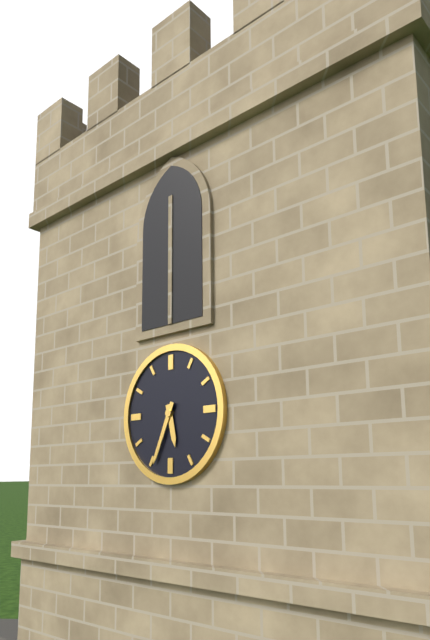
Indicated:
5.34
